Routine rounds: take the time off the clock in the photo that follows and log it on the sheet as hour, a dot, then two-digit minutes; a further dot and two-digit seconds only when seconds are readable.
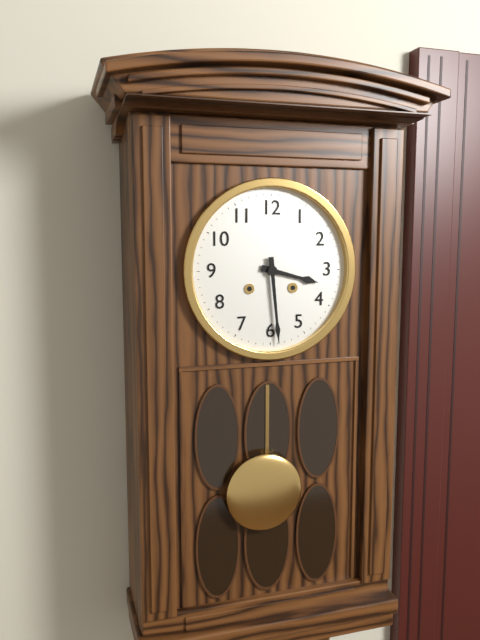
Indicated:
3.29
